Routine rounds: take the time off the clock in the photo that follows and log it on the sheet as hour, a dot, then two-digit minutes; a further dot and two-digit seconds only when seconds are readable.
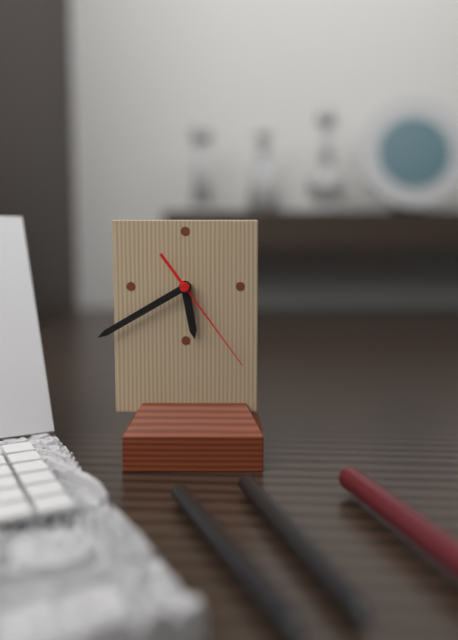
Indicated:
5.40.24
